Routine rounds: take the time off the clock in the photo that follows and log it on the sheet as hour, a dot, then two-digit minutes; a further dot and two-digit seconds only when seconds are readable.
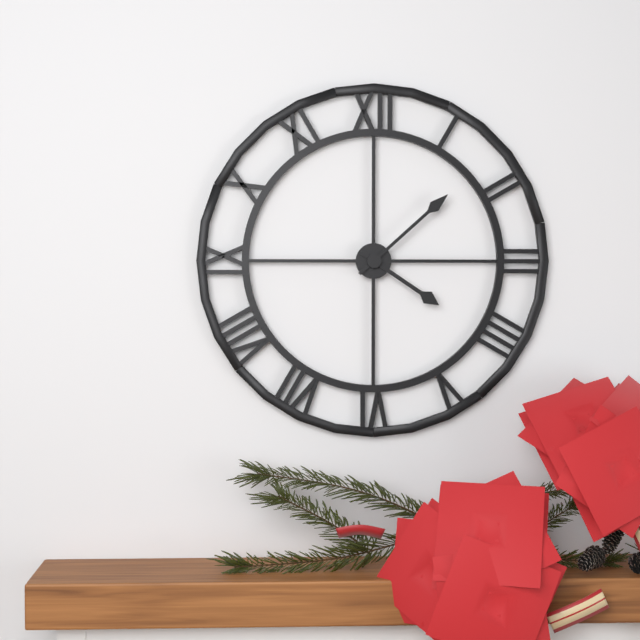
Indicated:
4.08
